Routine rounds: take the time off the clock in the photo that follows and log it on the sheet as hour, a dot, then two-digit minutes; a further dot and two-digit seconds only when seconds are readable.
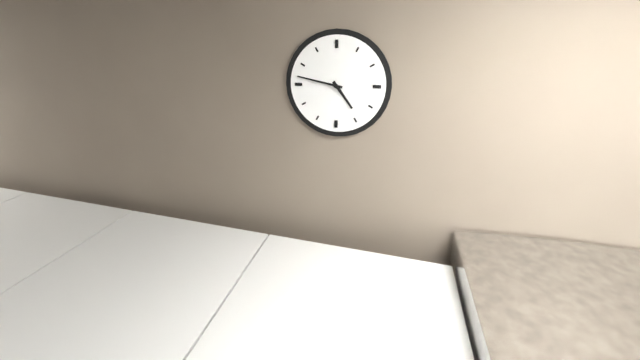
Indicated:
4.47
